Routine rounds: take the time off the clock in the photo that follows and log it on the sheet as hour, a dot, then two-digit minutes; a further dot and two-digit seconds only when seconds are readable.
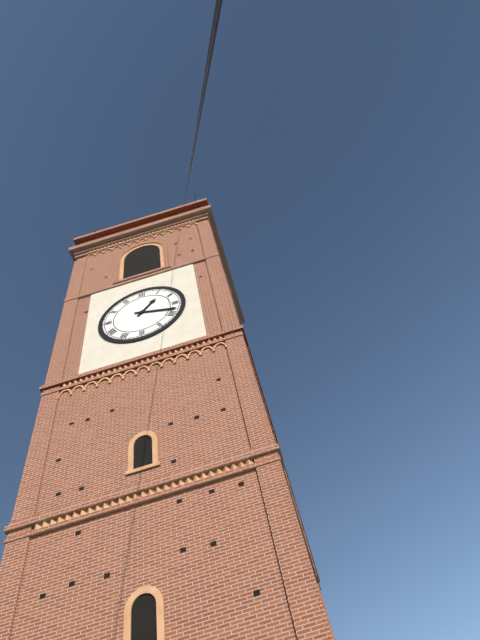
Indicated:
1.18
